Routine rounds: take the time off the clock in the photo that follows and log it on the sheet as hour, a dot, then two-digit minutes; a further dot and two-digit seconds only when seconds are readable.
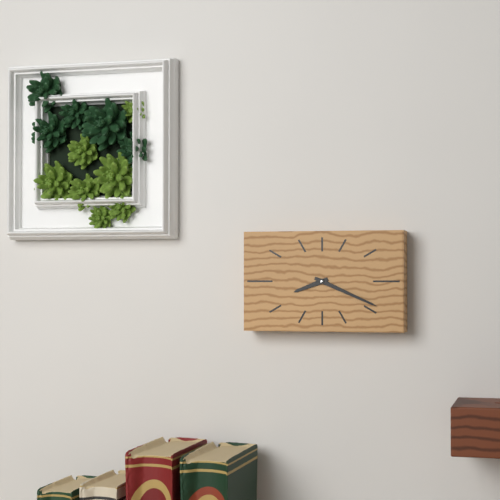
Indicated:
8.19
